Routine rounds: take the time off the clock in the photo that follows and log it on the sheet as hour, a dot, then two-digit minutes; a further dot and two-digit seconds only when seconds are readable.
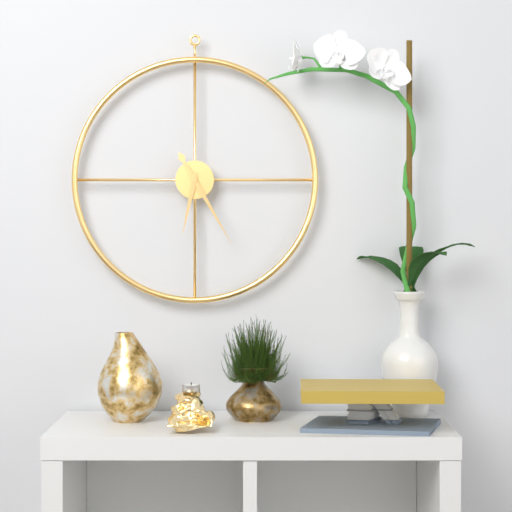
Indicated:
6.25
